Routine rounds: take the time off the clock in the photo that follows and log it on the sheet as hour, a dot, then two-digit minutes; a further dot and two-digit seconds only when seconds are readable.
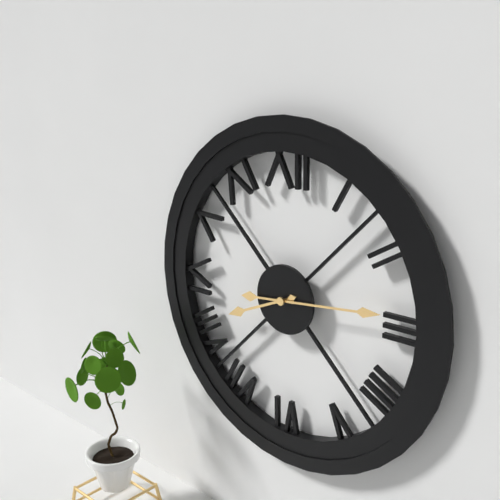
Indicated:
8.14
